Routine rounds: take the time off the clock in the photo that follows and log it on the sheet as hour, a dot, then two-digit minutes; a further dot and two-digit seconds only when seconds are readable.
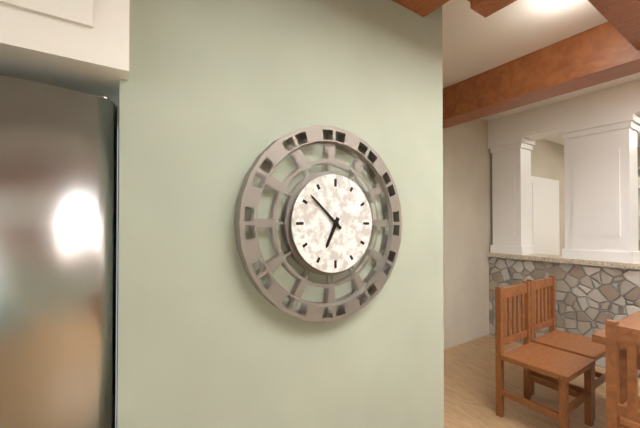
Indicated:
6.52
